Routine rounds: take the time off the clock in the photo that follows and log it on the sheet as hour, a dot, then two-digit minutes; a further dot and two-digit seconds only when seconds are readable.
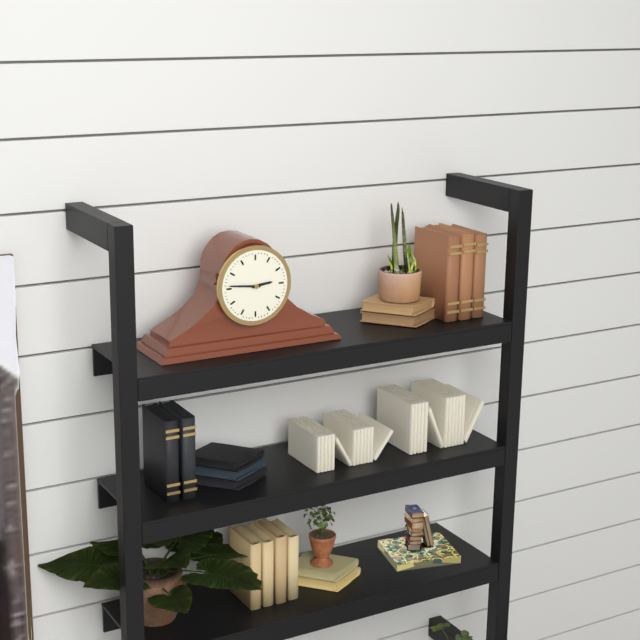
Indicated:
2.46
